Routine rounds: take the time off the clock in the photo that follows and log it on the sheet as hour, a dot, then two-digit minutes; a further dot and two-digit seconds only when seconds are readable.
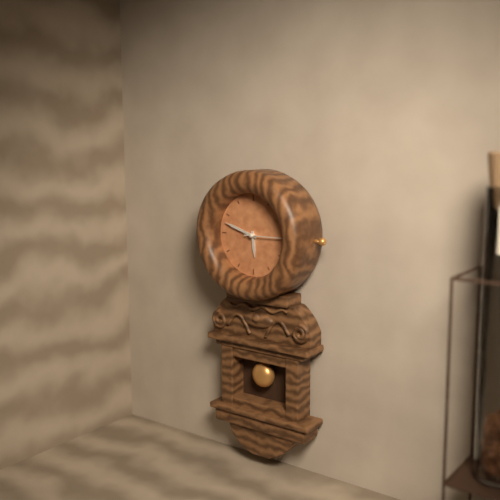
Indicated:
5.48
